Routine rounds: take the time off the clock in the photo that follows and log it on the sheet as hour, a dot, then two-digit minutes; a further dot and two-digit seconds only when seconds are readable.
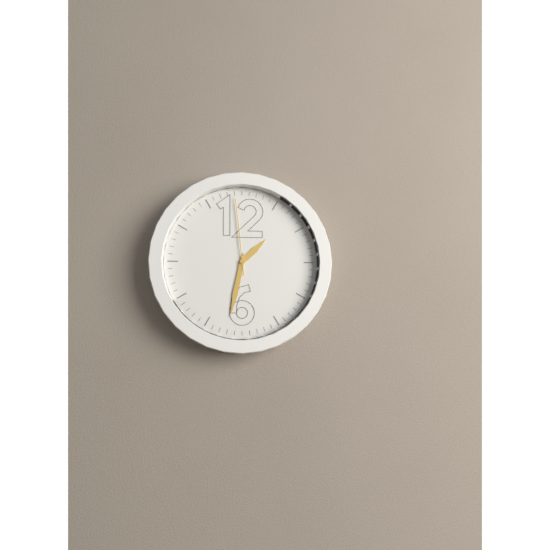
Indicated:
1.32.59
